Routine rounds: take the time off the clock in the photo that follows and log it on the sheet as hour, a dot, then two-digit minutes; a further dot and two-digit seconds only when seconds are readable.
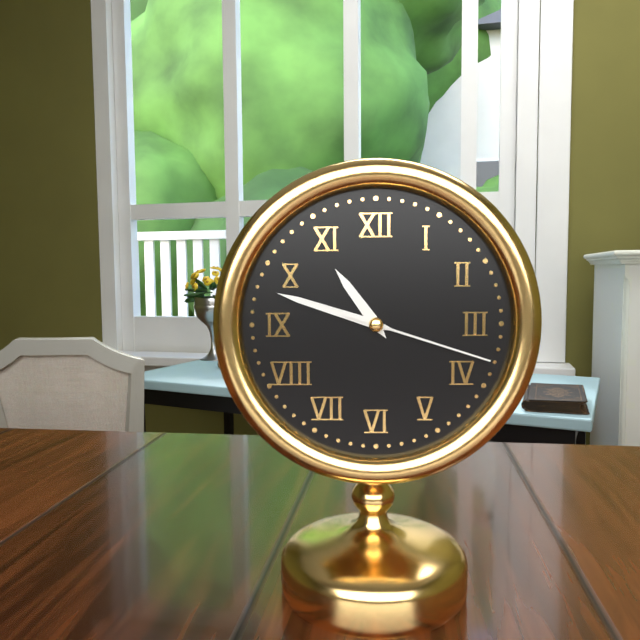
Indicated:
10.48.18
